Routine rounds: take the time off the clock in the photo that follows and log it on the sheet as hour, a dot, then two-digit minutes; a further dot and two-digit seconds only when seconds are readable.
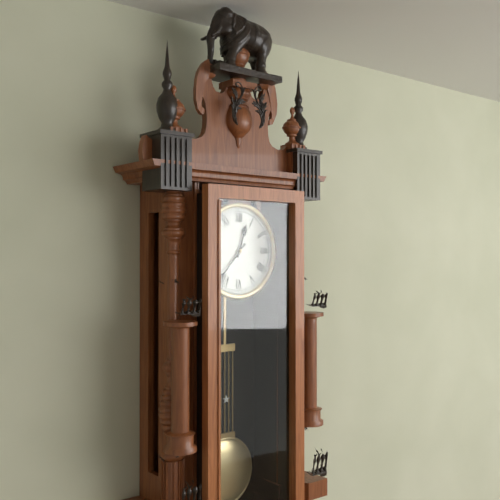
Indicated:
12.37
